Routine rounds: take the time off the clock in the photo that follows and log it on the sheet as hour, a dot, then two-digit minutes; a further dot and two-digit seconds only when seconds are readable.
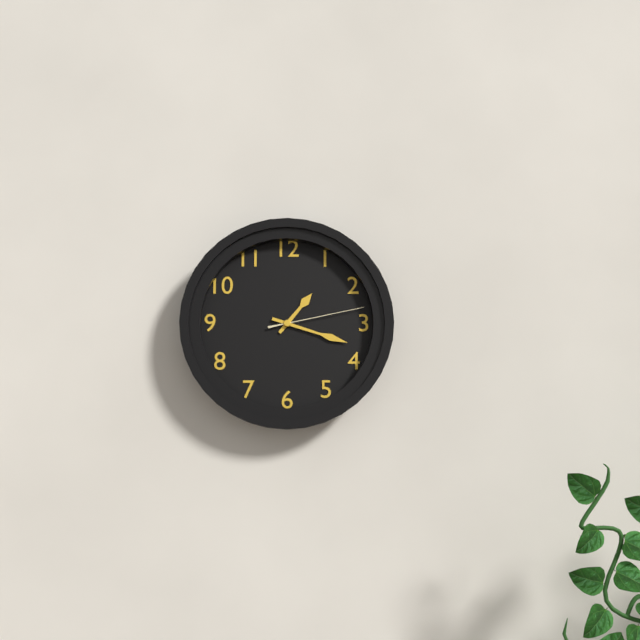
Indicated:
1.18.13
